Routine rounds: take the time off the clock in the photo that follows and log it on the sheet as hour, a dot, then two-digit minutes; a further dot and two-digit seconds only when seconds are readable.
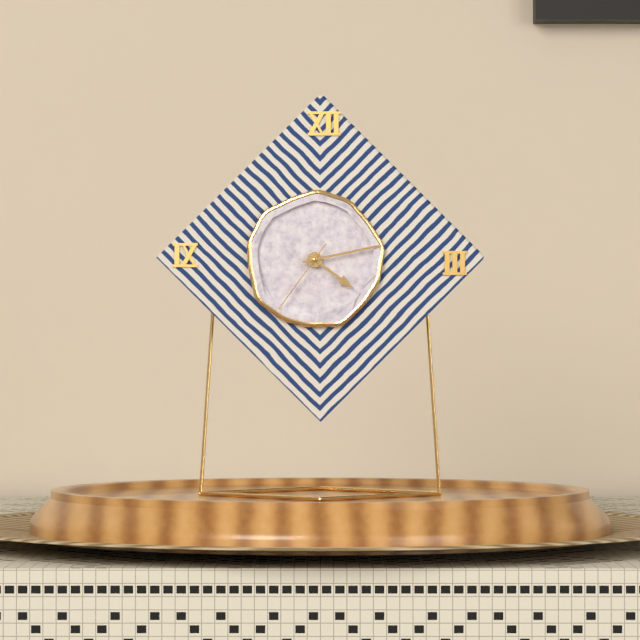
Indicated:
4.13.36
